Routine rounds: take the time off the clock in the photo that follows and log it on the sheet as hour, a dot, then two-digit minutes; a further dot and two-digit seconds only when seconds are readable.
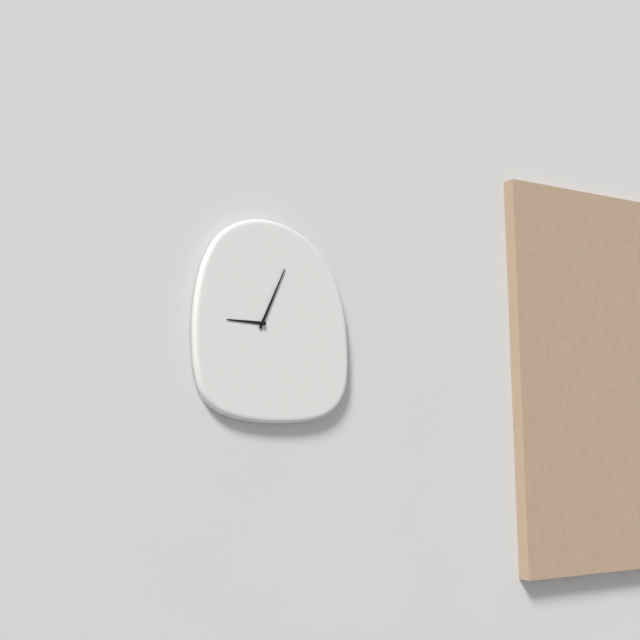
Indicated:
9.04
